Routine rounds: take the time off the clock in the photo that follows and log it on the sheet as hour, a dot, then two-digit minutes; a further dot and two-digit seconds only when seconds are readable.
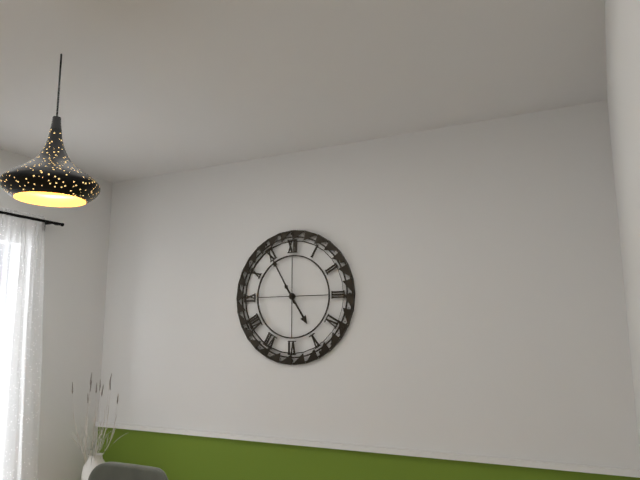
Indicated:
4.55
